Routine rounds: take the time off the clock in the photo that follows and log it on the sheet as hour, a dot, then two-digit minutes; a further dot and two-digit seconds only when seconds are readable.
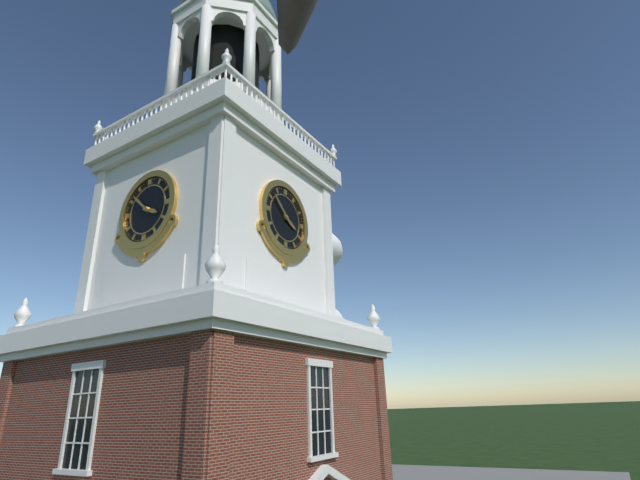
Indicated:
3.52
